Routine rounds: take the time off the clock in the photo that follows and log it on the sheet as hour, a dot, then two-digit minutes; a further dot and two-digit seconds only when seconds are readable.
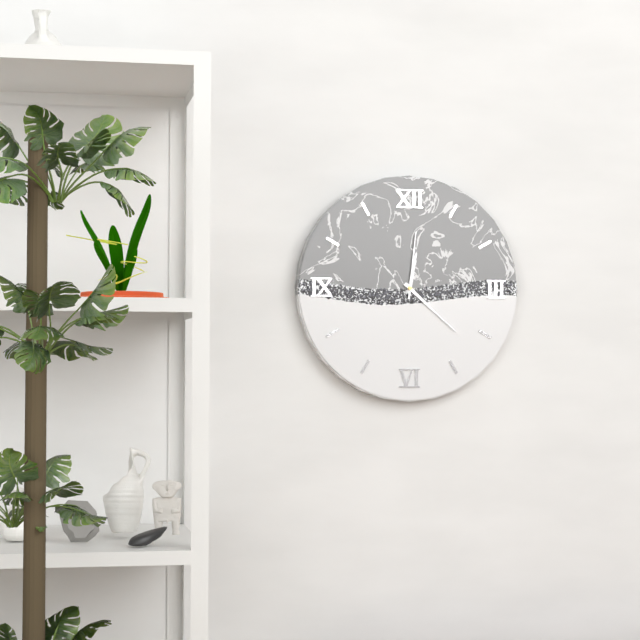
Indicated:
12.22.01
